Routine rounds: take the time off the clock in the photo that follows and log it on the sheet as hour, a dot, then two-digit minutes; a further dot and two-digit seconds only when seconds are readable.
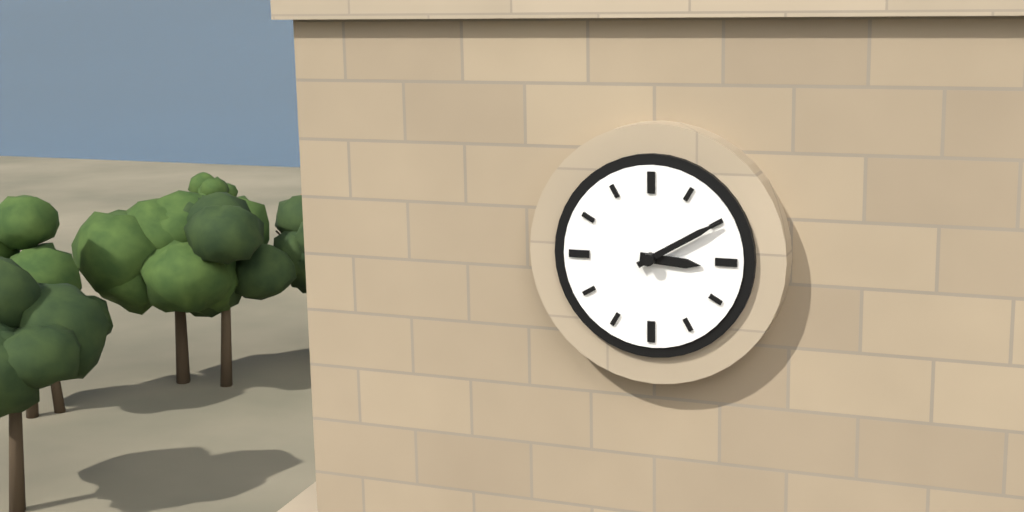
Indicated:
3.10
